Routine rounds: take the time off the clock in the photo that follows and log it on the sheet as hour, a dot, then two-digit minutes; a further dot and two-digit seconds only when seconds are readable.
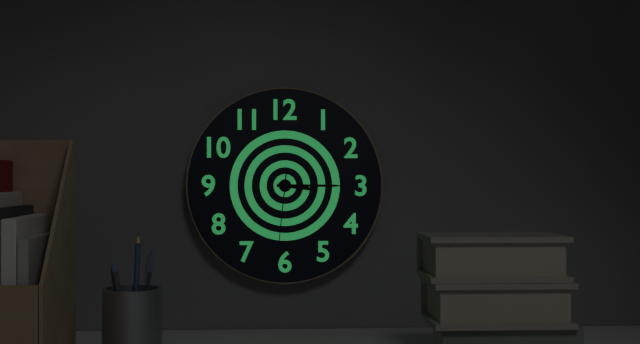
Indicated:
3.15.31
